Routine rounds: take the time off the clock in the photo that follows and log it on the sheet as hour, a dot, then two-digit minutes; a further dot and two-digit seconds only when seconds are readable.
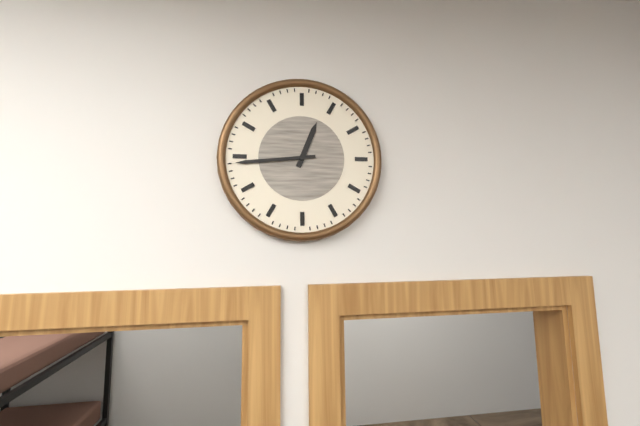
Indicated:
12.44
